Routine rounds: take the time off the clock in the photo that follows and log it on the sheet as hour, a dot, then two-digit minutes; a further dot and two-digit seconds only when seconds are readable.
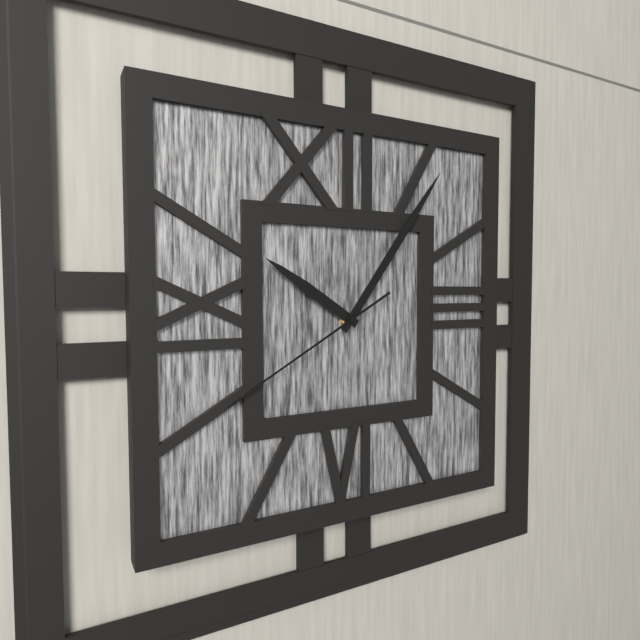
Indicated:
10.06.40
